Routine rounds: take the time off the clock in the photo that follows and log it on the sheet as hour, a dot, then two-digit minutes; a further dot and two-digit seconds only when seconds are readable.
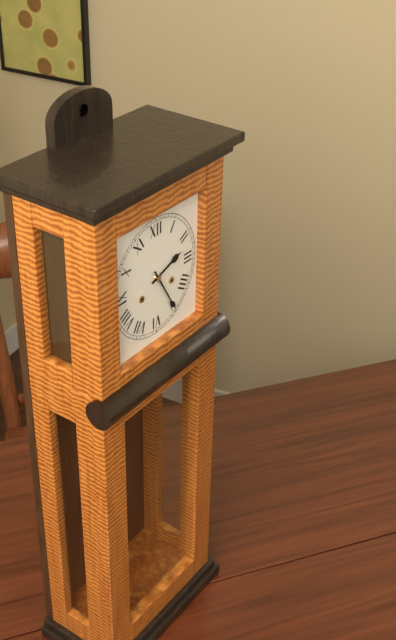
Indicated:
2.25
